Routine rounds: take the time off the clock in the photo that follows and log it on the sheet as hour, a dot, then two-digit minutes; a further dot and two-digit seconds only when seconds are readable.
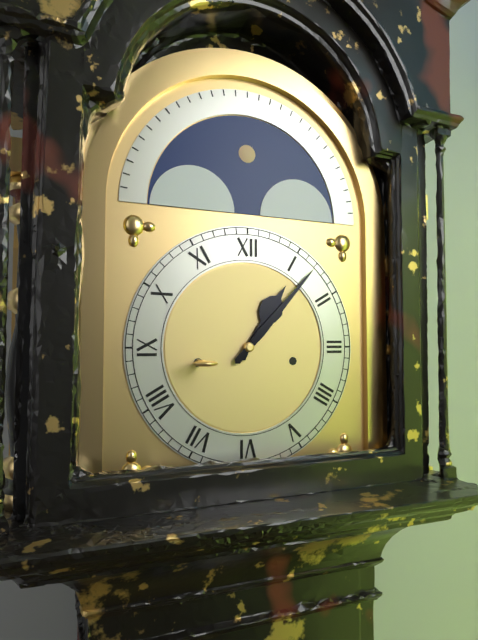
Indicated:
1.07
